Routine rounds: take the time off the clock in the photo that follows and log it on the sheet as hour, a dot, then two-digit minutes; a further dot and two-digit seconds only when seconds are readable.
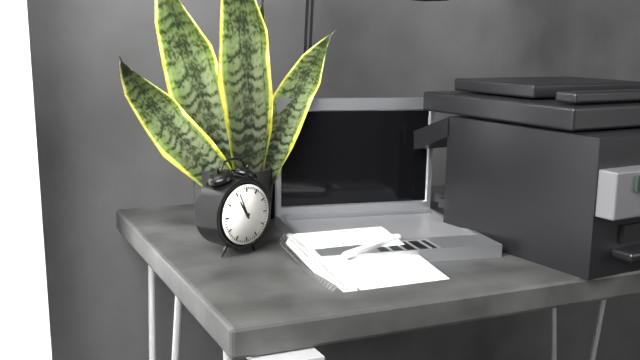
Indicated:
10.56
